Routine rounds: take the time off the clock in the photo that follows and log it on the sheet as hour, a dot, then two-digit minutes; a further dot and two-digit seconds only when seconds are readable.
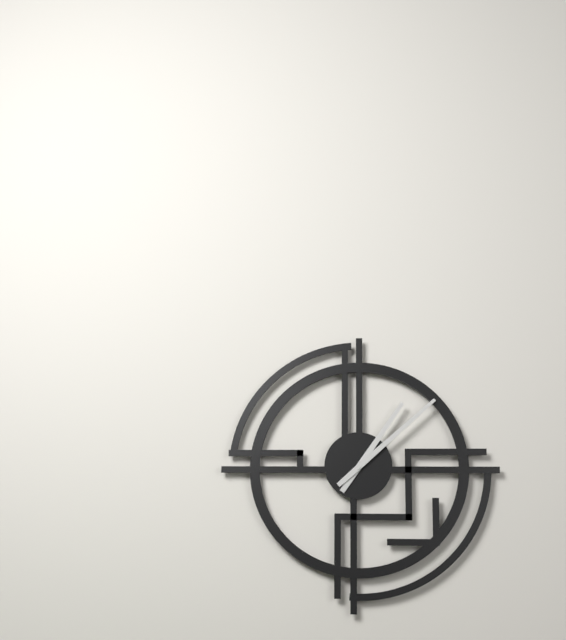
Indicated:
1.08
